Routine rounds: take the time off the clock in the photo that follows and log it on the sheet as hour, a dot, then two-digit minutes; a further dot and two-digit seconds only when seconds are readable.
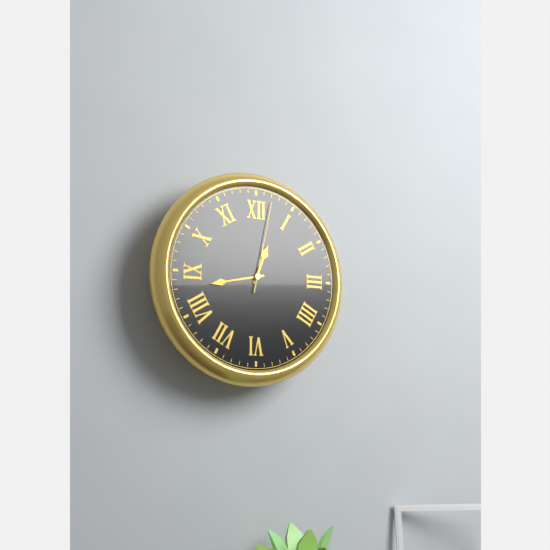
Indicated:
12.43.02
